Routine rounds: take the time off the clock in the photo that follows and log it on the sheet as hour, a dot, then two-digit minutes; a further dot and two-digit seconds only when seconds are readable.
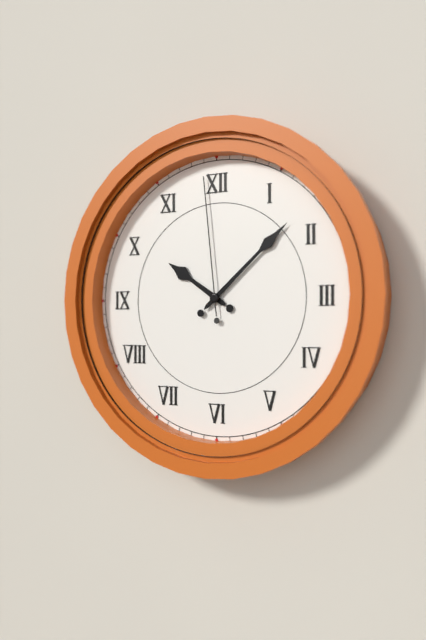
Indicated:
10.08.59
